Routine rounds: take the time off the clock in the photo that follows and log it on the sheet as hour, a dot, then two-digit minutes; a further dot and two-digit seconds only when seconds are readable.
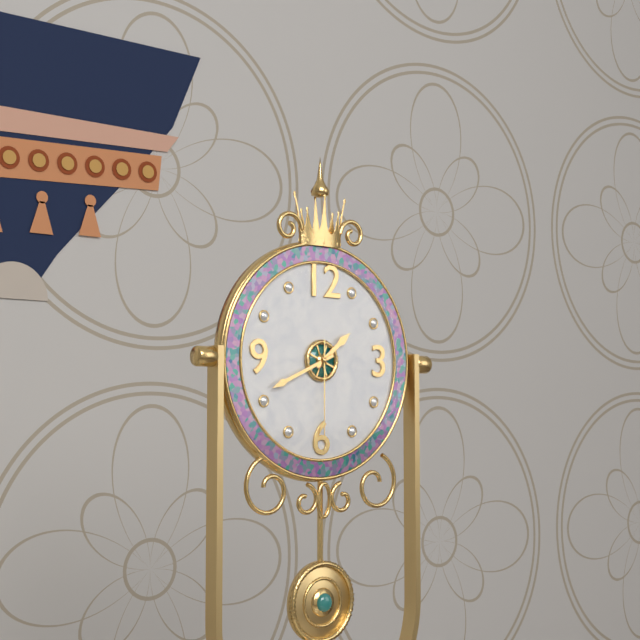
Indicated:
1.41.30
